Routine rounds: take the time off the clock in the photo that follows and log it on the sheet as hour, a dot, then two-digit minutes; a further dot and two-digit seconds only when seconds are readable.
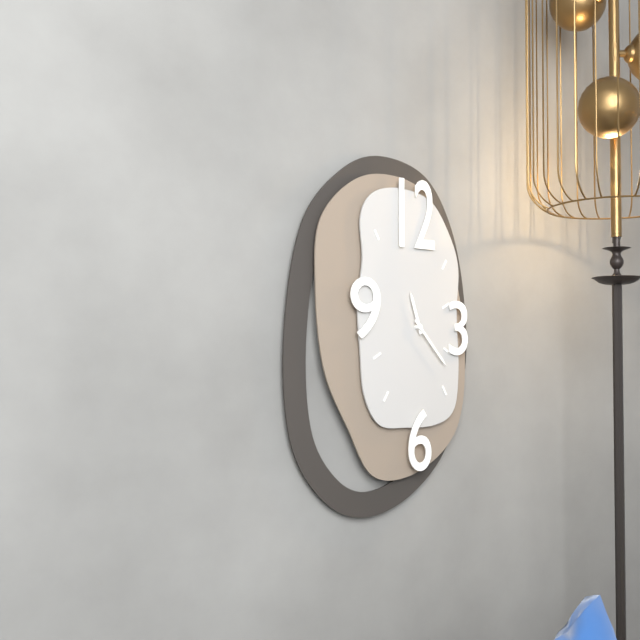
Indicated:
11.23
